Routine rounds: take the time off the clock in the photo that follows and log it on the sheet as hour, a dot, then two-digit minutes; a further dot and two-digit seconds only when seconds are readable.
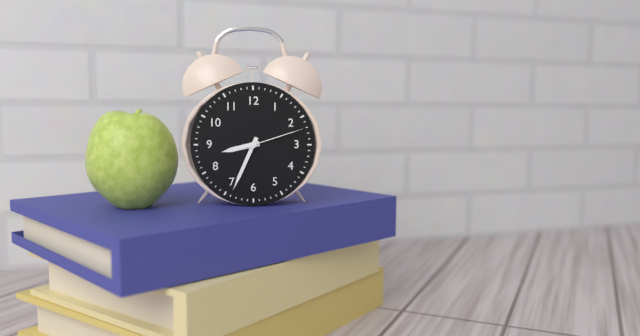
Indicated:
8.34.12
